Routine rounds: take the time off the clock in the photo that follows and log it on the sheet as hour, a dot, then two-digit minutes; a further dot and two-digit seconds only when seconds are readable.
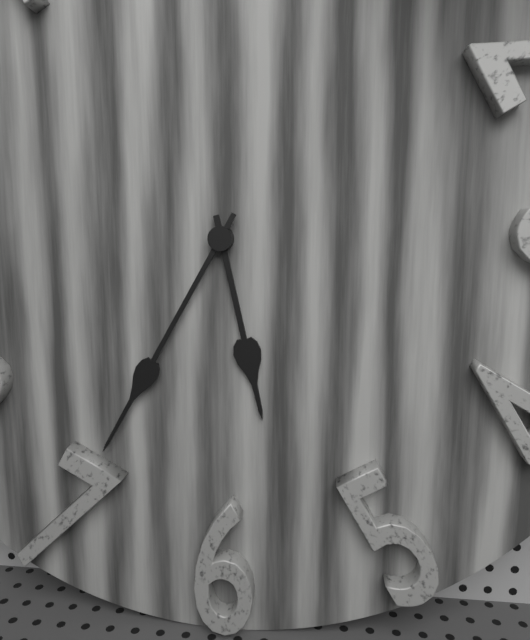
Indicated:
5.35
